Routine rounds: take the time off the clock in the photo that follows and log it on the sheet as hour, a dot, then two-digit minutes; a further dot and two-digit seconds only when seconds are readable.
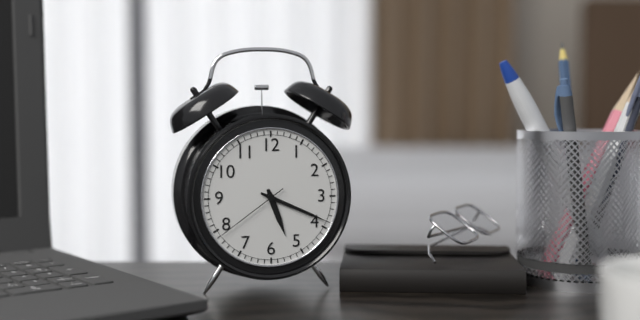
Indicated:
5.19.39
